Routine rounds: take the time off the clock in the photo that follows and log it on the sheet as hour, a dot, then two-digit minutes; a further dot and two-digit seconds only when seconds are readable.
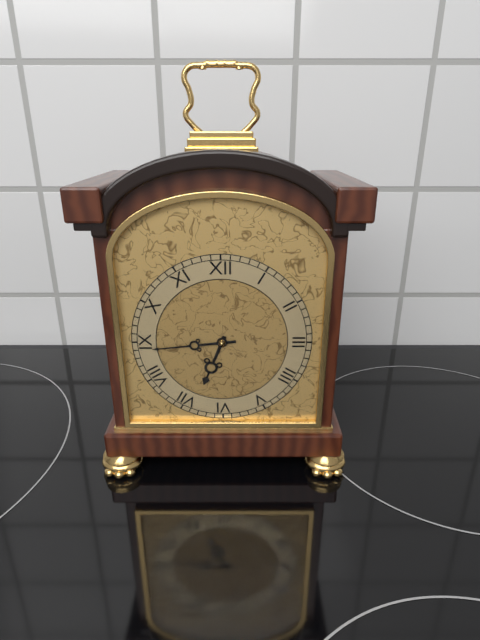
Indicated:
6.44
